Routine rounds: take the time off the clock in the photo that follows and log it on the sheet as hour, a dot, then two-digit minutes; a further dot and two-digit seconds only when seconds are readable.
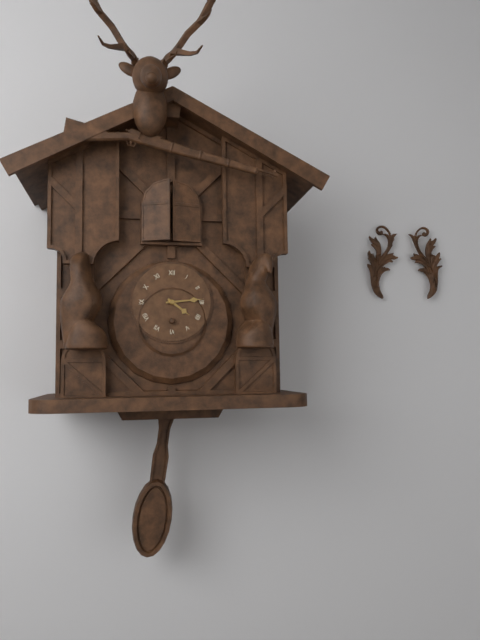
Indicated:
4.14
